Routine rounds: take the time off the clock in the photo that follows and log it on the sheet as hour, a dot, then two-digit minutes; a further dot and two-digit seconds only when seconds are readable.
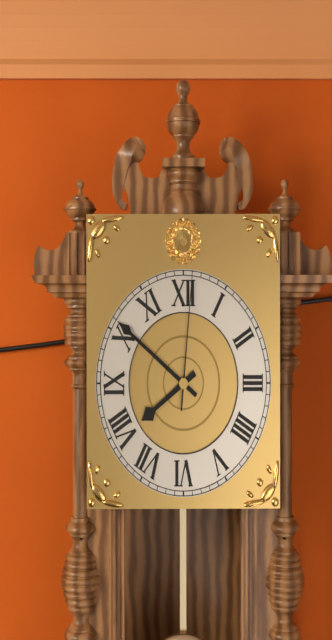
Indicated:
7.51.01
